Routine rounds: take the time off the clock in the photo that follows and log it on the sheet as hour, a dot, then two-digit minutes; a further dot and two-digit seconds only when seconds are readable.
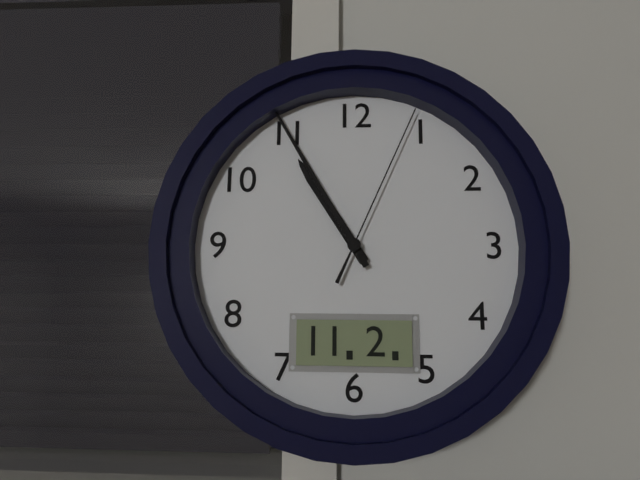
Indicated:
10.55.04
